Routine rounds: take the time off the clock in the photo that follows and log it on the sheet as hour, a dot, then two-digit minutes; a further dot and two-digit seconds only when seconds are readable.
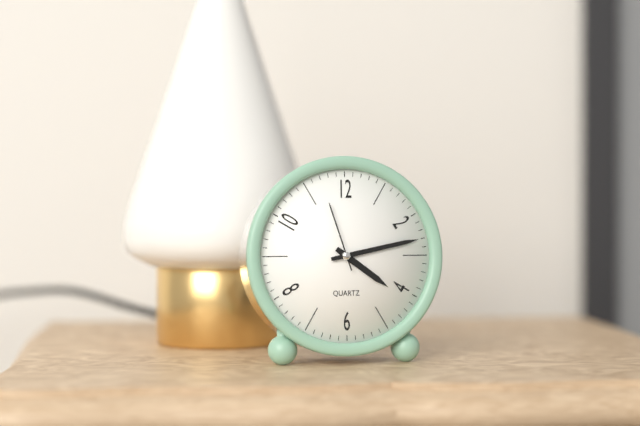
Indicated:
4.13.57
